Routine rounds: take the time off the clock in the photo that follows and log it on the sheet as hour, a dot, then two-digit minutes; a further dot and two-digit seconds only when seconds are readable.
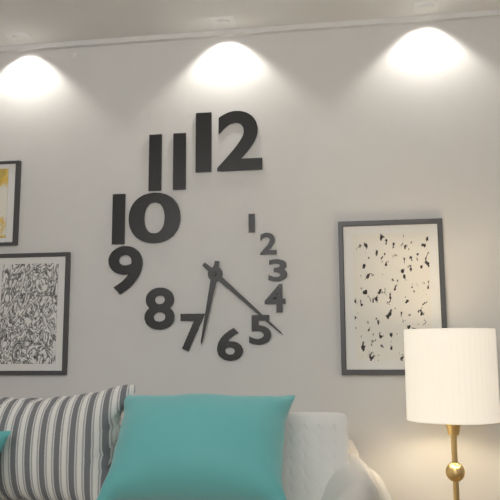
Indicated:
6.22
